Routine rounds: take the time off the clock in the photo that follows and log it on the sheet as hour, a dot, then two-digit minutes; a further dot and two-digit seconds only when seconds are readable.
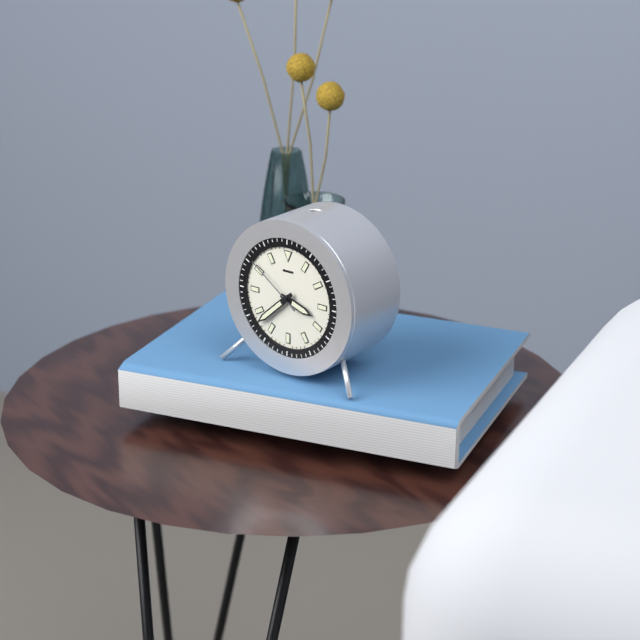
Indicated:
3.38.51
